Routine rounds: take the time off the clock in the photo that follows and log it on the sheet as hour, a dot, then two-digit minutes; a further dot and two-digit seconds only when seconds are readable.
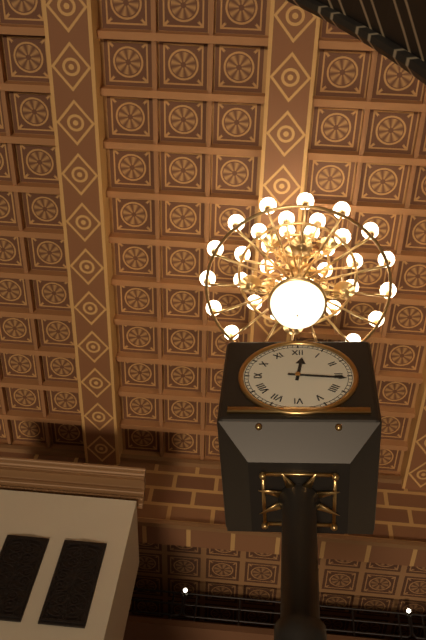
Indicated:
12.16
